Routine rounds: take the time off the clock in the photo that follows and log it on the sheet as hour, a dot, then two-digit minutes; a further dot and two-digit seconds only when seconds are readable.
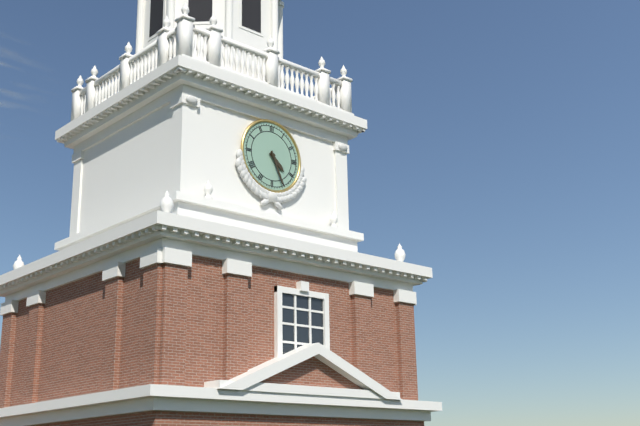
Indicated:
4.26
